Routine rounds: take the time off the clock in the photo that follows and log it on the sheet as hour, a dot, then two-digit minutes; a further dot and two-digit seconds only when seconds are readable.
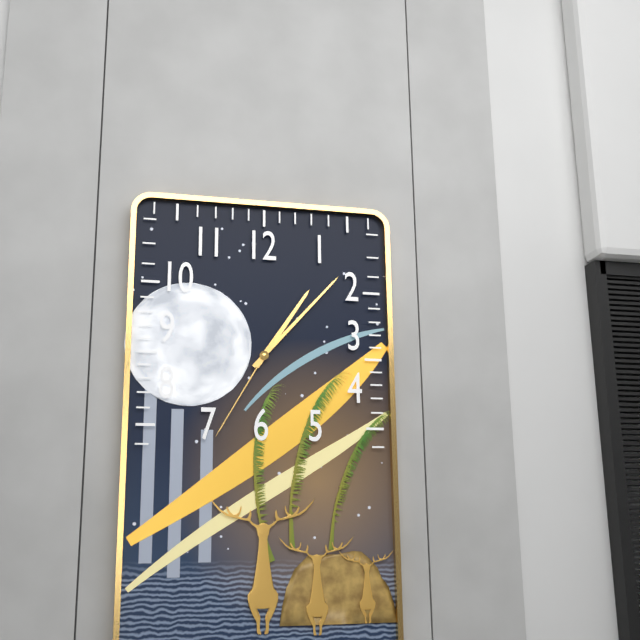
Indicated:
1.07.35
